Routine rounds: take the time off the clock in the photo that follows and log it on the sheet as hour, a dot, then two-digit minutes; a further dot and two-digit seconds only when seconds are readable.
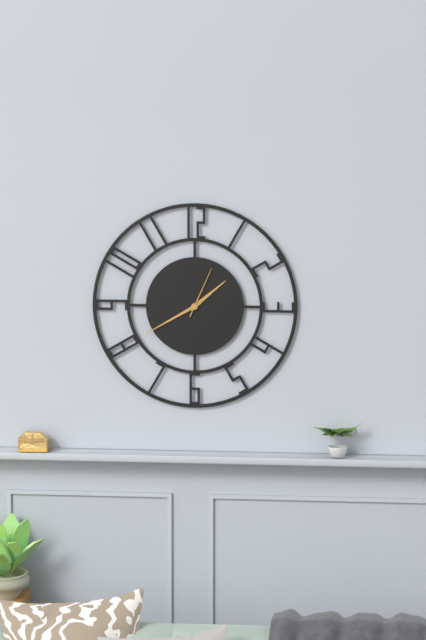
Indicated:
1.40.04
